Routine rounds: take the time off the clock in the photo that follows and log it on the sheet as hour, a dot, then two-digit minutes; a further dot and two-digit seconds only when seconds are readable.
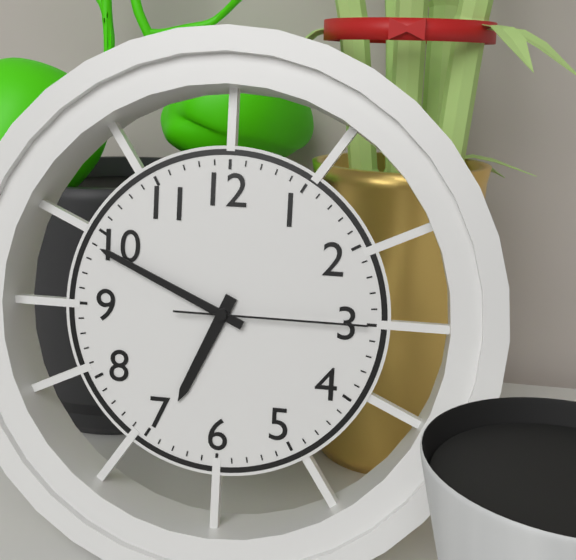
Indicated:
6.49.15
